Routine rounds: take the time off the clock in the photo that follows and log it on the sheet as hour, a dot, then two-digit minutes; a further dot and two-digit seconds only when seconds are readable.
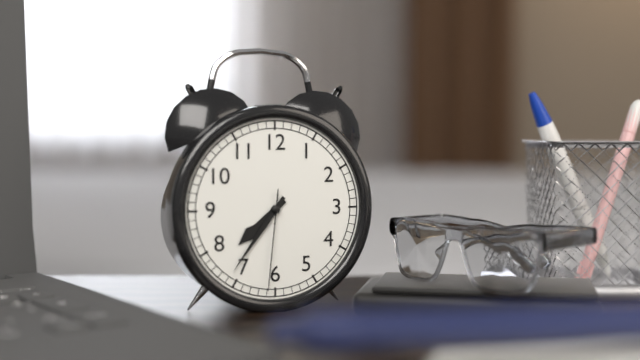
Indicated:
7.36.31
